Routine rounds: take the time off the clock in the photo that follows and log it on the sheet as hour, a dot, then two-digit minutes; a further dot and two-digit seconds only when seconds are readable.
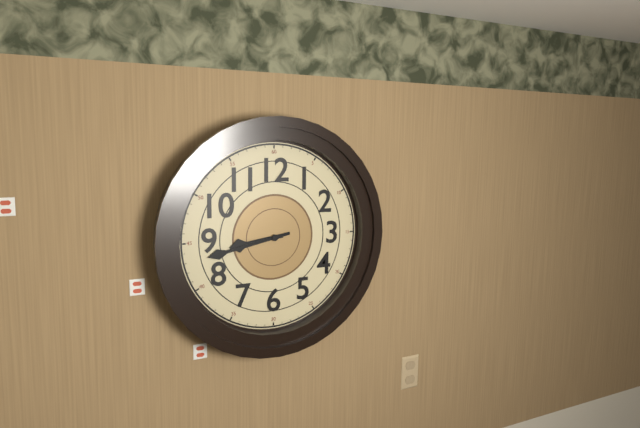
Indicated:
8.43
